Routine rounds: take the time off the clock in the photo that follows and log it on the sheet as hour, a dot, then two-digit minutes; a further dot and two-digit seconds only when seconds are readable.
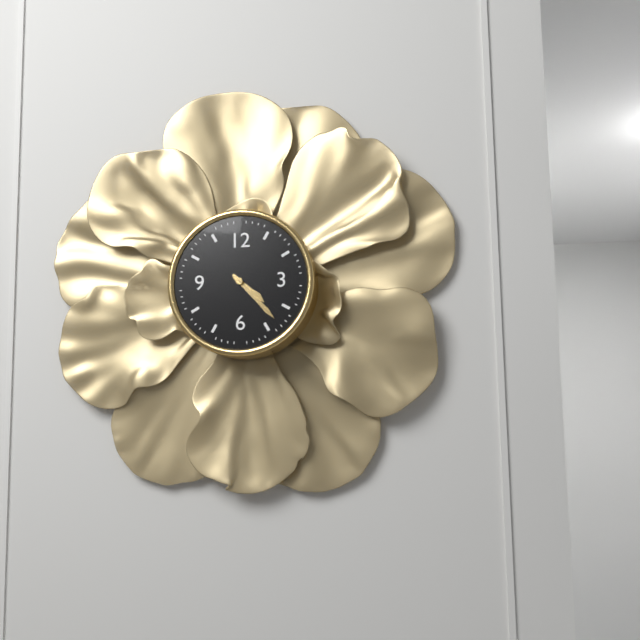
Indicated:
4.23
